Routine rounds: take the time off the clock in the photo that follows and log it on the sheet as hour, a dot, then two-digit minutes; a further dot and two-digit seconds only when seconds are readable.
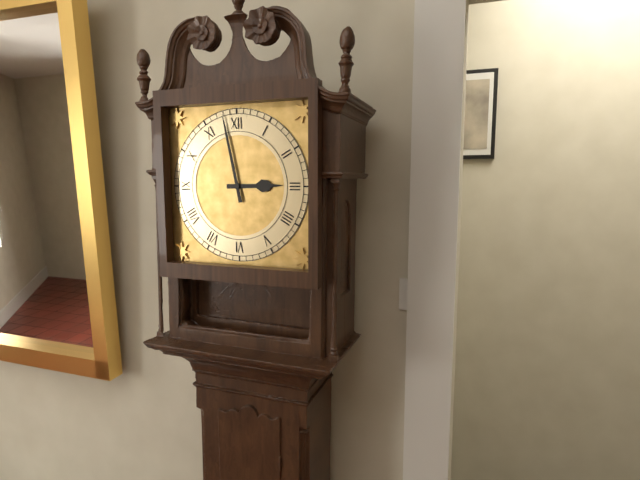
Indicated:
2.58
